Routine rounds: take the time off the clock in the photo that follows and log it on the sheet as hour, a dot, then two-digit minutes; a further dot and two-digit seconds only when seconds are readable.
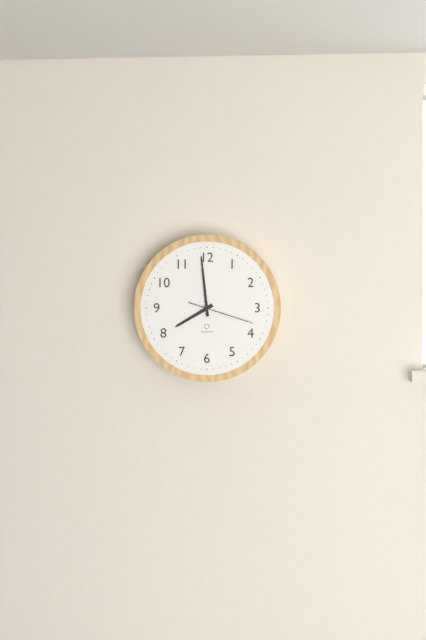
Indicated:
7.59.18
